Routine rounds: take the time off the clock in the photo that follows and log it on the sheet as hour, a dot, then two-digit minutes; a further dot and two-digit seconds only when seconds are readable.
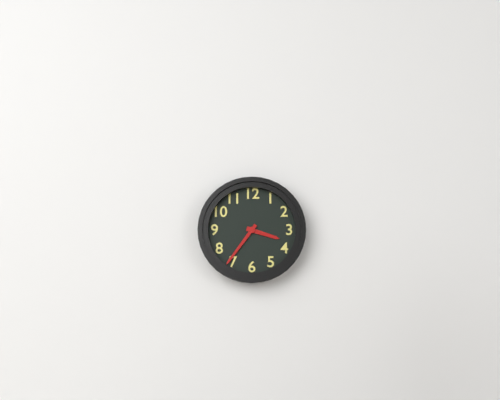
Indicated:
3.36
